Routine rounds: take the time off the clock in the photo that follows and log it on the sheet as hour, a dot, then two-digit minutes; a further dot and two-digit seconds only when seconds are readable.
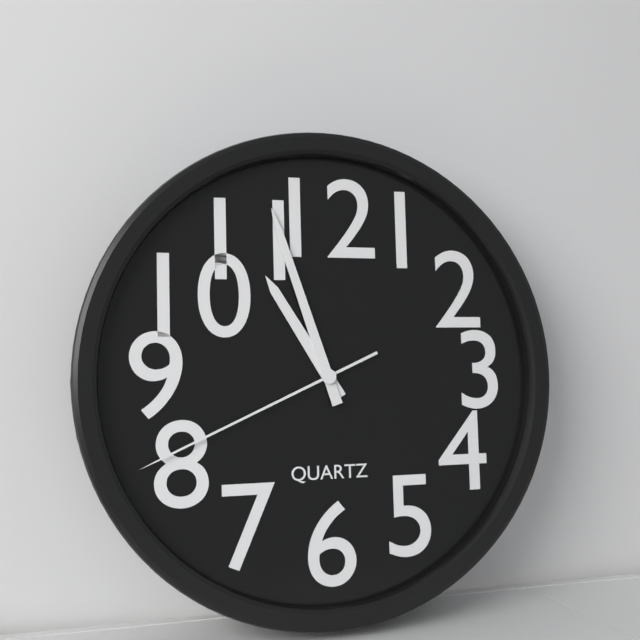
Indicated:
10.57.41
